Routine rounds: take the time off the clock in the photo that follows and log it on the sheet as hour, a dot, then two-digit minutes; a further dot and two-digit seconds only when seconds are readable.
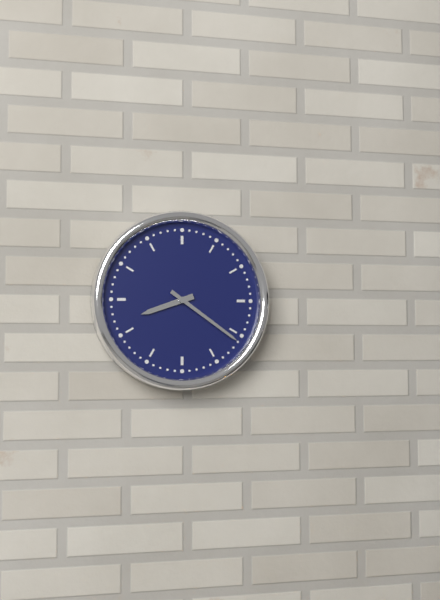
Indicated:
8.21
